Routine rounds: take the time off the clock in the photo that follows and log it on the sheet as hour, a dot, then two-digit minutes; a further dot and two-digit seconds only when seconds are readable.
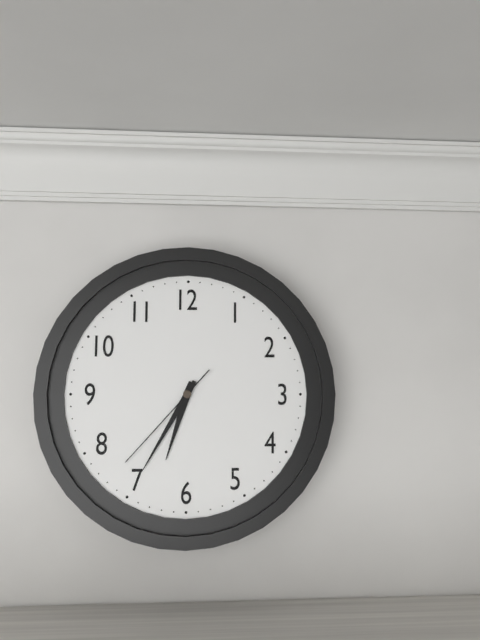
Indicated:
6.35.37
